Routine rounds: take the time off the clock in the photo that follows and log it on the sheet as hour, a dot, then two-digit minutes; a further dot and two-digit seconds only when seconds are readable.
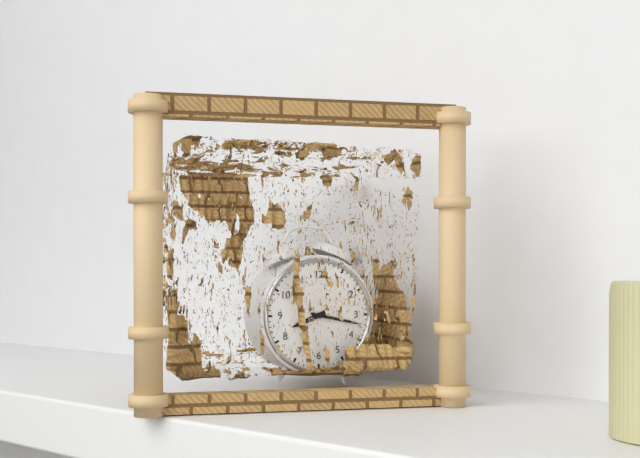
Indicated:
8.17
